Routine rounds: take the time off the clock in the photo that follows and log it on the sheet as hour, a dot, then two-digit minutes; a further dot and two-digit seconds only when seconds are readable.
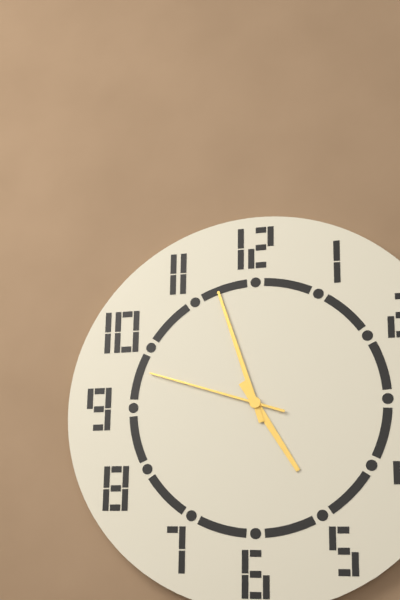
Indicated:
4.57.48
